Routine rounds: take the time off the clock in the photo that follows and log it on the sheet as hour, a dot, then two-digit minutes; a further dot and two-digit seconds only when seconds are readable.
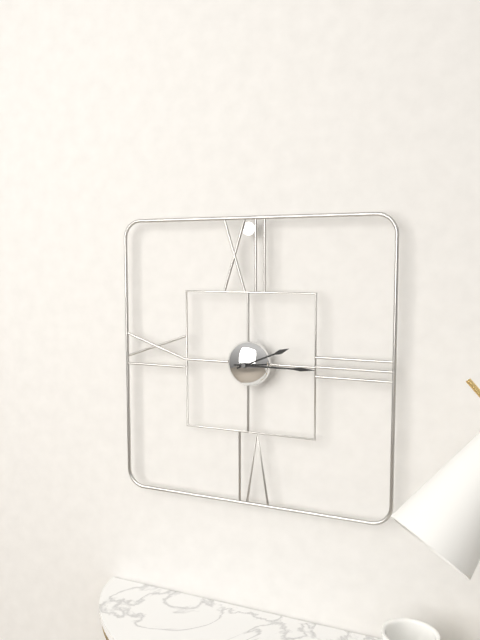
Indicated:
2.15
